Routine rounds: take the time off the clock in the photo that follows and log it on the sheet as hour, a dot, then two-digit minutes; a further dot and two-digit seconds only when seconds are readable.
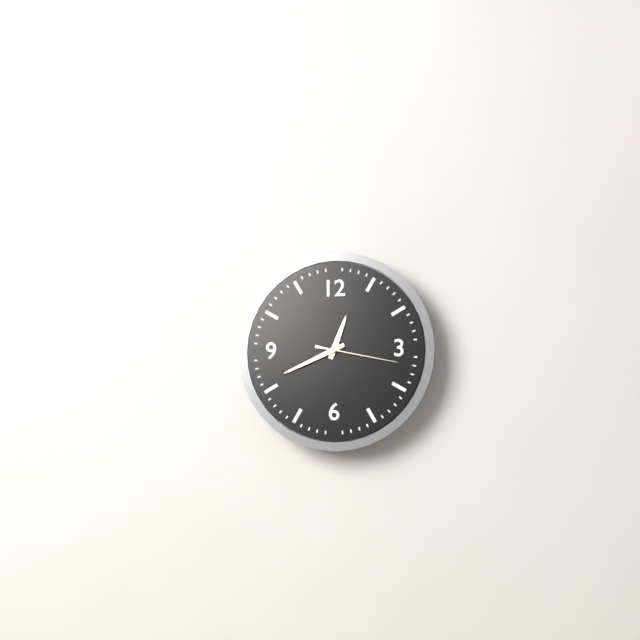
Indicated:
12.41.17
